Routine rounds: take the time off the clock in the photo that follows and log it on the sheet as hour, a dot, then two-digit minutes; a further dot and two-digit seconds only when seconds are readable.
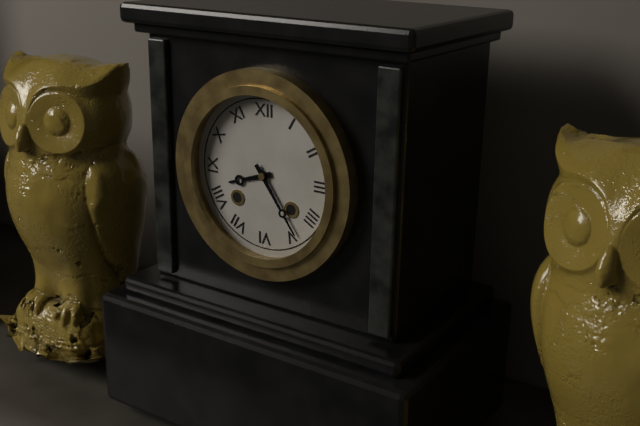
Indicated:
8.24
